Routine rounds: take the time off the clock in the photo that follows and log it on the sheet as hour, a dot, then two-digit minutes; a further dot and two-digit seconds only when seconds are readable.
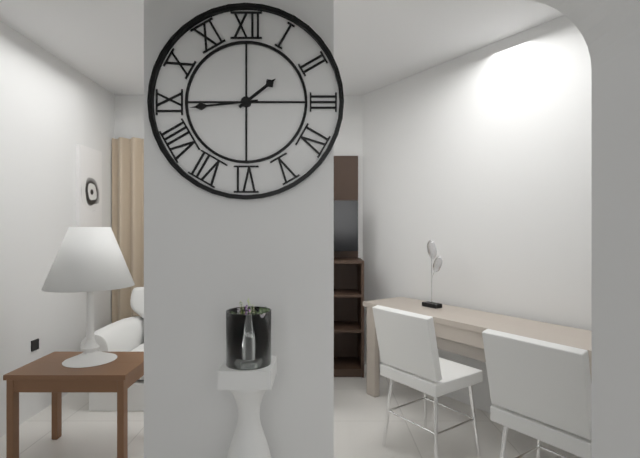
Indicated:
1.44
